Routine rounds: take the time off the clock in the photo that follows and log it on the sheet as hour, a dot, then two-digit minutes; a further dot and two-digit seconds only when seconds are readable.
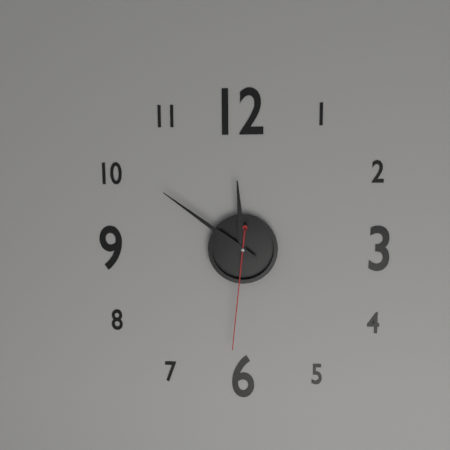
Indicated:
11.51.31
